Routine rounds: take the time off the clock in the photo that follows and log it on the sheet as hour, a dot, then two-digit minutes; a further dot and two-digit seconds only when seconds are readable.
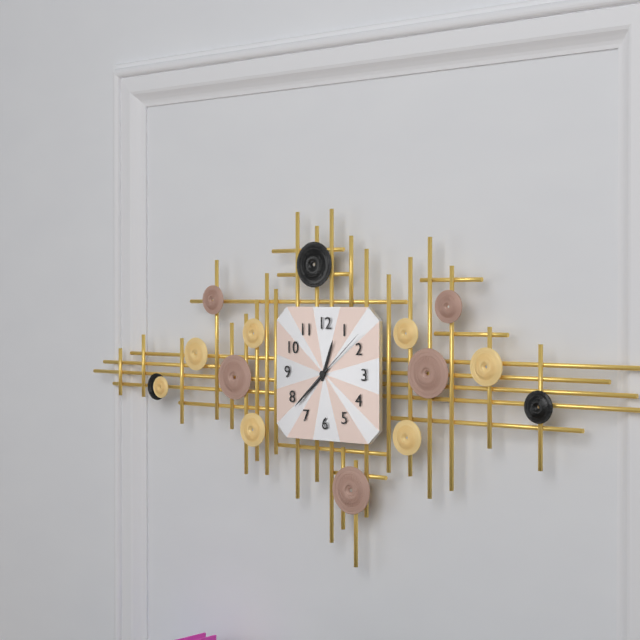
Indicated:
12.38.08
